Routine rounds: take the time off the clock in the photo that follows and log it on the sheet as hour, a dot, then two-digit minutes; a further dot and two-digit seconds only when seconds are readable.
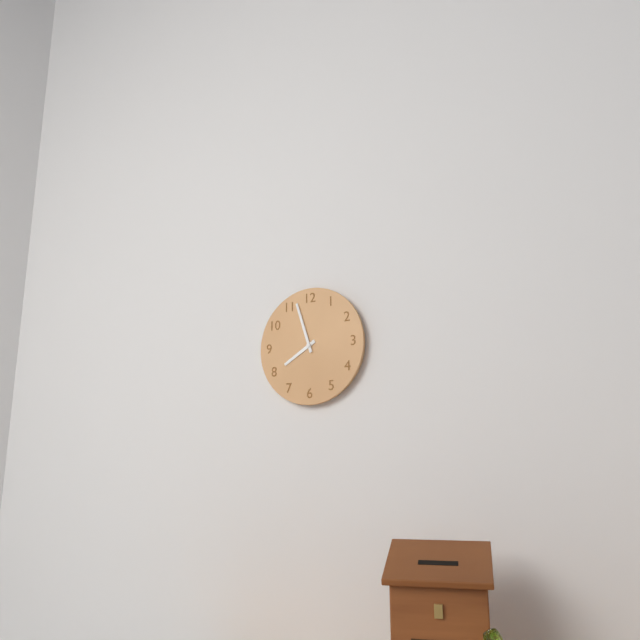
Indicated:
7.57
